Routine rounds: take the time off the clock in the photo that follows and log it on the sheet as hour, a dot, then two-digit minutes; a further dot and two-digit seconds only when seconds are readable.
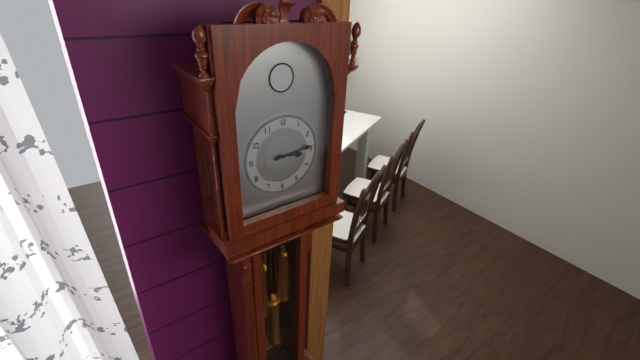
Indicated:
3.14
